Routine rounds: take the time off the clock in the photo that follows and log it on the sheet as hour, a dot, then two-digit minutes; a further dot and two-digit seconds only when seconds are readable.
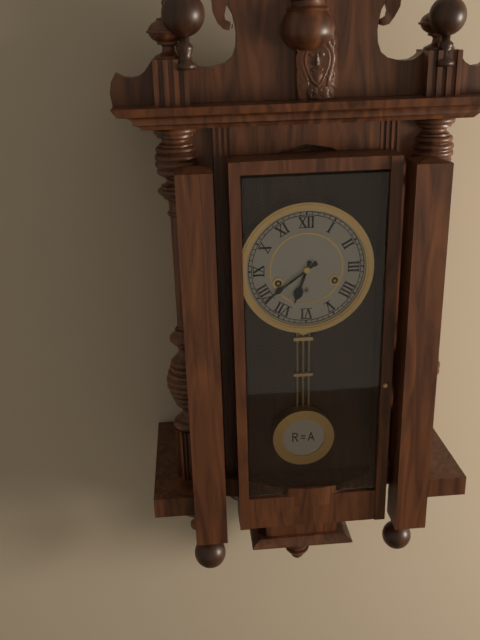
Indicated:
6.39
